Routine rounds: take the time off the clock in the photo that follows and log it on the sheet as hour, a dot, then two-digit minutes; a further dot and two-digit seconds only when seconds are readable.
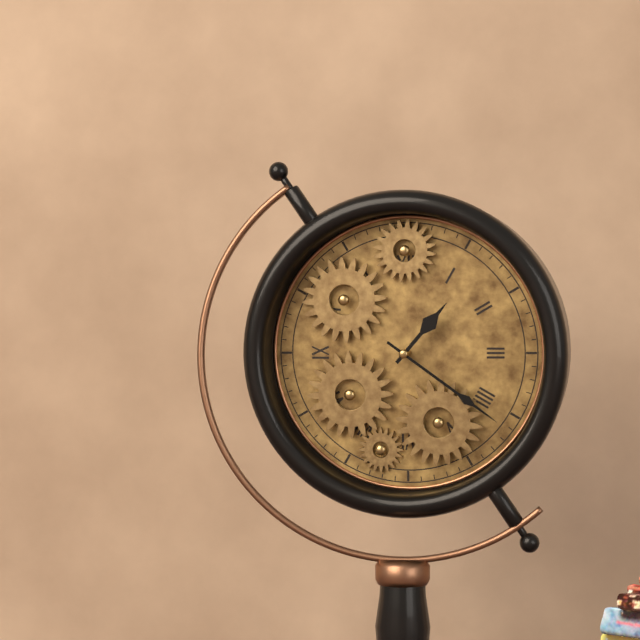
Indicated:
1.21
